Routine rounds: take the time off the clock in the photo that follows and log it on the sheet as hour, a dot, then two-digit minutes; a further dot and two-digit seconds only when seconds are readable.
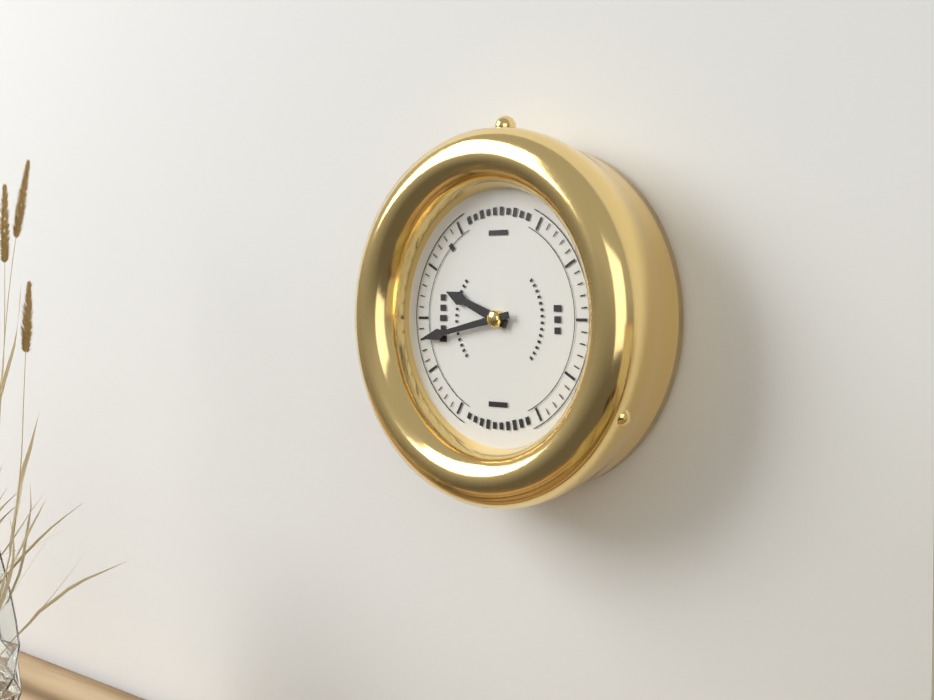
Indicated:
9.43
